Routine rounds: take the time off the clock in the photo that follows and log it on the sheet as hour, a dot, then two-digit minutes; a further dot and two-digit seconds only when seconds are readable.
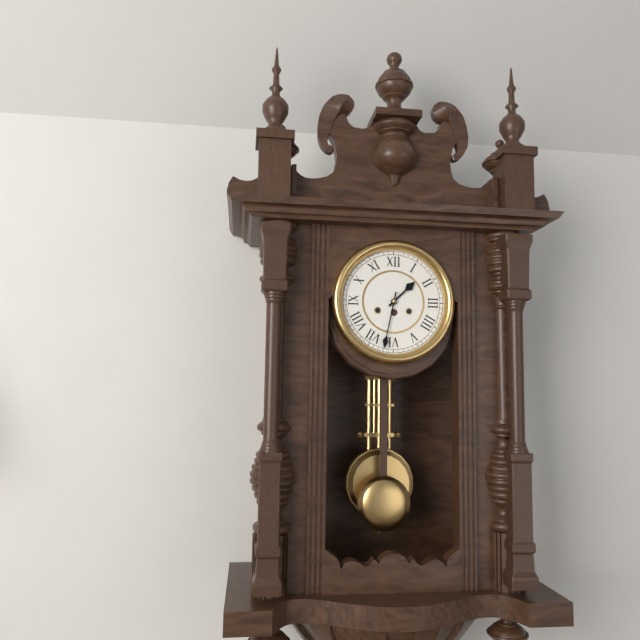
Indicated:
1.32
